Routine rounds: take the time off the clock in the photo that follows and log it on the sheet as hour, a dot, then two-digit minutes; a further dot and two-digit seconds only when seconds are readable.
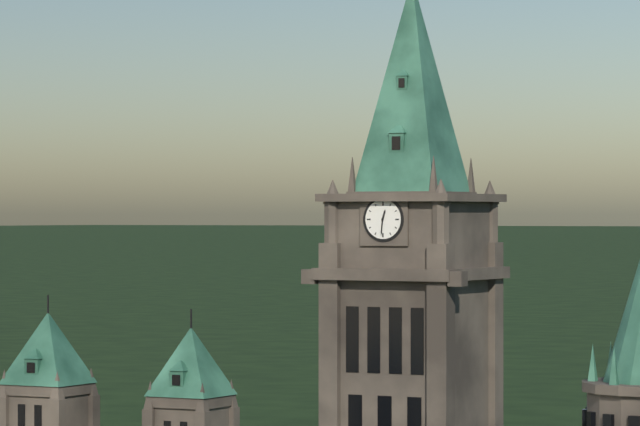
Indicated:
12.31
